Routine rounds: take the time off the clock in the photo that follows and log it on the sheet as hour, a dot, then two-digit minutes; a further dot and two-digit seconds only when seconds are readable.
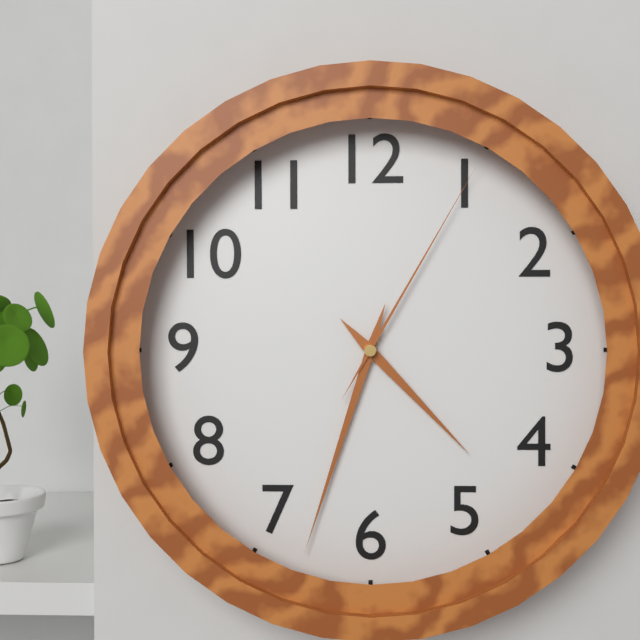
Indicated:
4.33.05
